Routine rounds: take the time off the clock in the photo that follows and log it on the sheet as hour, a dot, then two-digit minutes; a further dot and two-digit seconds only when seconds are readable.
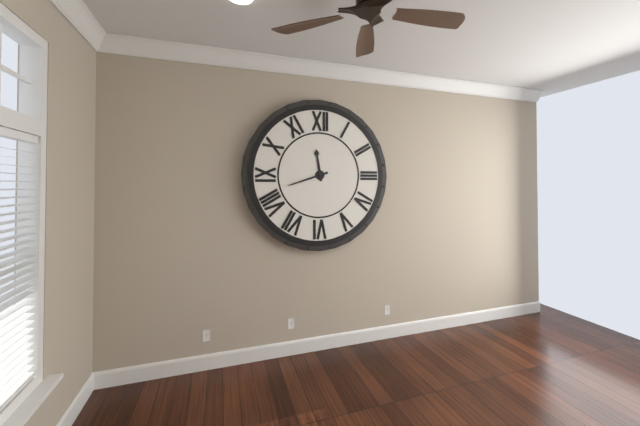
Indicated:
11.42
